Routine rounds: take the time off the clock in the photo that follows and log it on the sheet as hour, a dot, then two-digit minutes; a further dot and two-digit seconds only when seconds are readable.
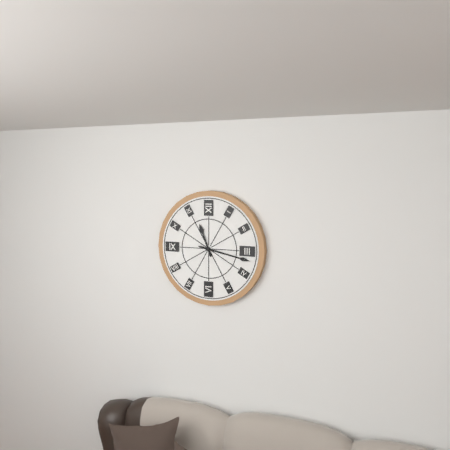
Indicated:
11.17
